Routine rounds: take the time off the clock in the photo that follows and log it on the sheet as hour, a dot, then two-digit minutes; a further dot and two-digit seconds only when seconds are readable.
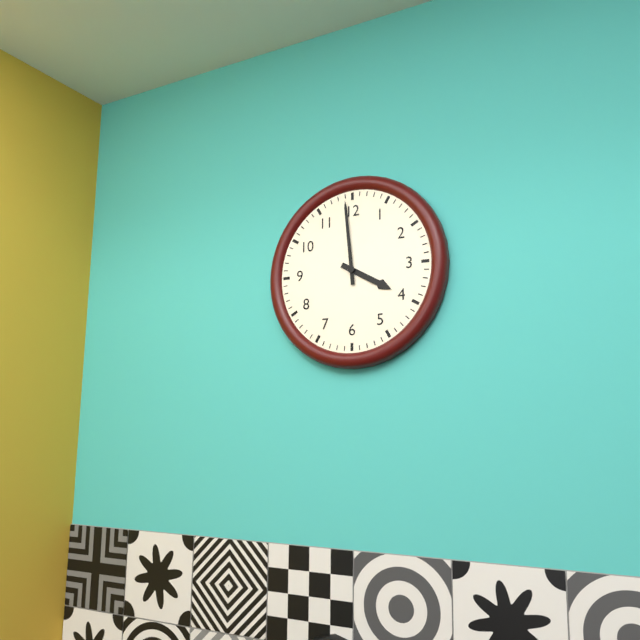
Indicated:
3.59
